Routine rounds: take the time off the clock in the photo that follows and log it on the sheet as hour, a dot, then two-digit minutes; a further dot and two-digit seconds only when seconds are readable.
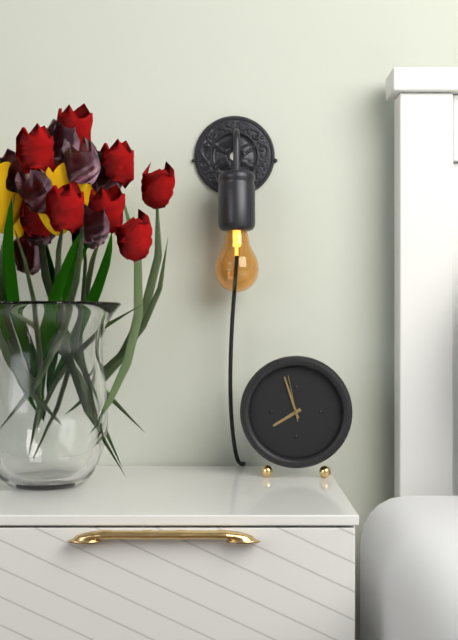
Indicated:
7.57
